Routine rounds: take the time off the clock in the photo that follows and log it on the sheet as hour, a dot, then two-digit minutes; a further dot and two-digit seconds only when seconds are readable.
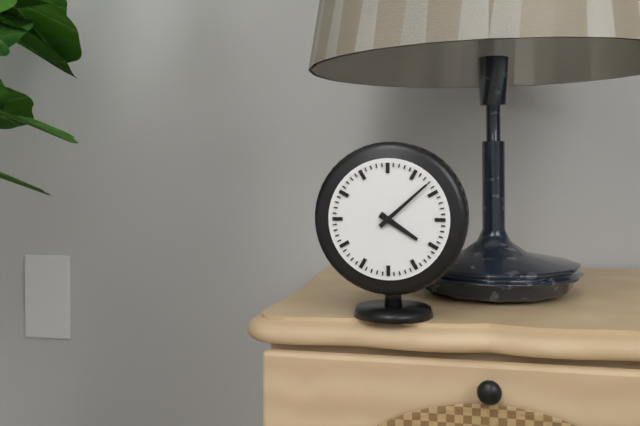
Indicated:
4.08
